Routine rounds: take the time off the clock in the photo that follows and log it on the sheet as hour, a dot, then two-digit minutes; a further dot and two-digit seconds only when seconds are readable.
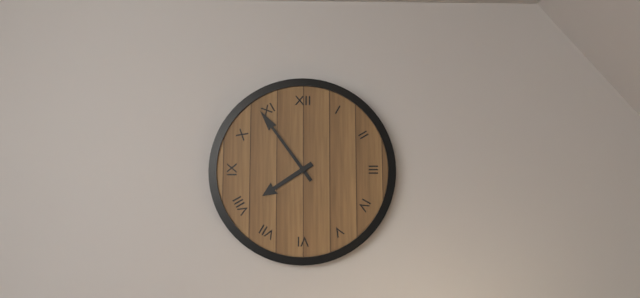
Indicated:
7.54
